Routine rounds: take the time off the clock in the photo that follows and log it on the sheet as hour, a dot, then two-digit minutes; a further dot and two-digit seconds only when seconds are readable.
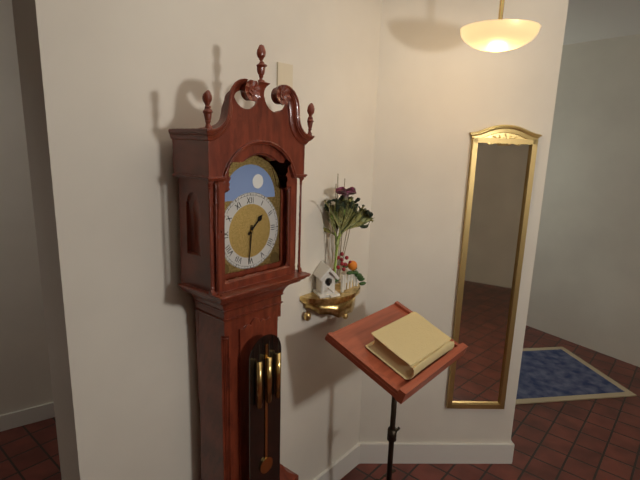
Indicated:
1.31
